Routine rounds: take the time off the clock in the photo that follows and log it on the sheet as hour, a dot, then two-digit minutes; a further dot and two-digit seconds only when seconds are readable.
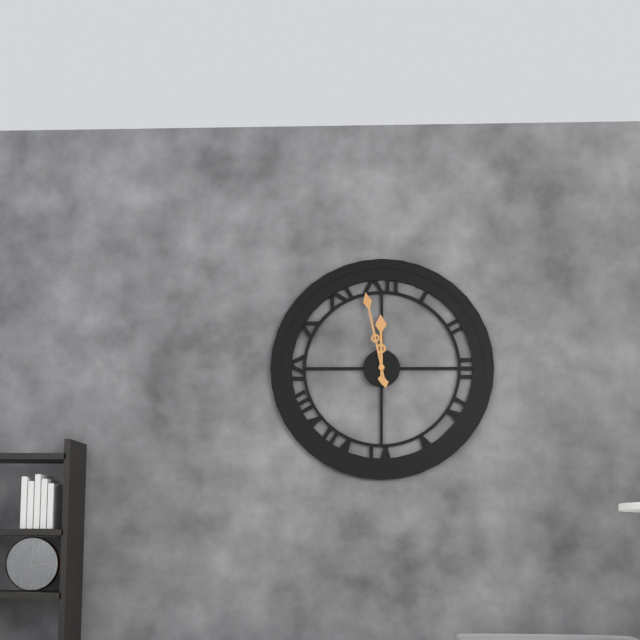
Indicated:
11.58
